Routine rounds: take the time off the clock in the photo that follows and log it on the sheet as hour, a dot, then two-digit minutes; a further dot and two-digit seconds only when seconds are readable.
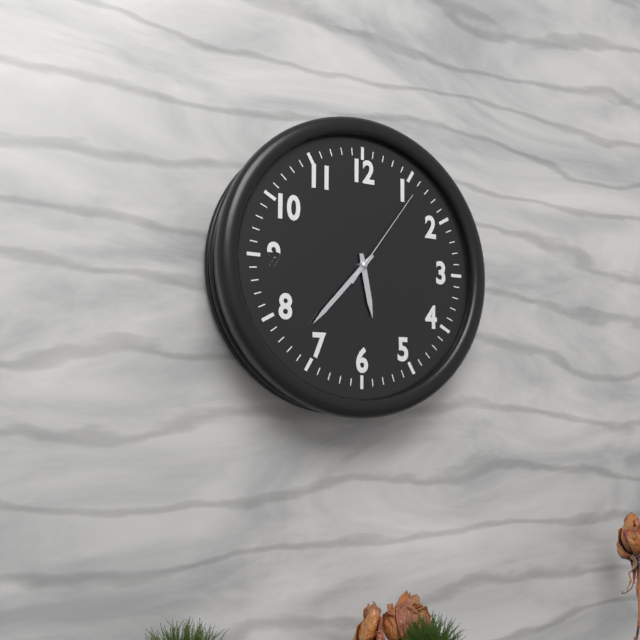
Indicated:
5.37.06
